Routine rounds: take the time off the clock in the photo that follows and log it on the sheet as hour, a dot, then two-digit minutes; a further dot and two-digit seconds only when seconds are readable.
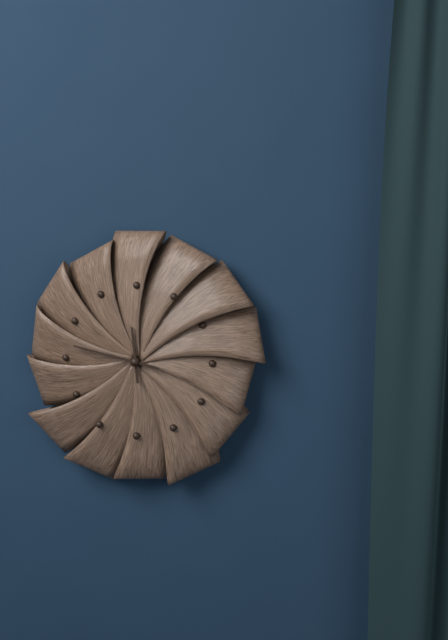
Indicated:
11.47
